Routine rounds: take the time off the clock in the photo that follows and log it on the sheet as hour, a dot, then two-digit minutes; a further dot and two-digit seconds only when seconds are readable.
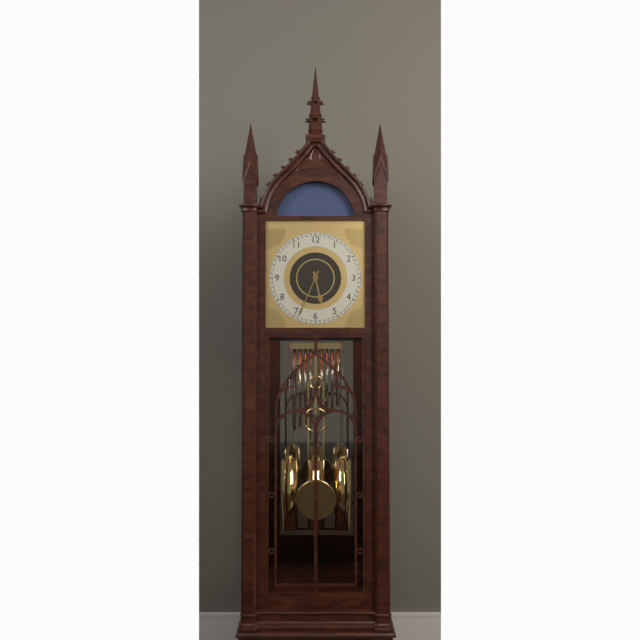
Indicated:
5.34
